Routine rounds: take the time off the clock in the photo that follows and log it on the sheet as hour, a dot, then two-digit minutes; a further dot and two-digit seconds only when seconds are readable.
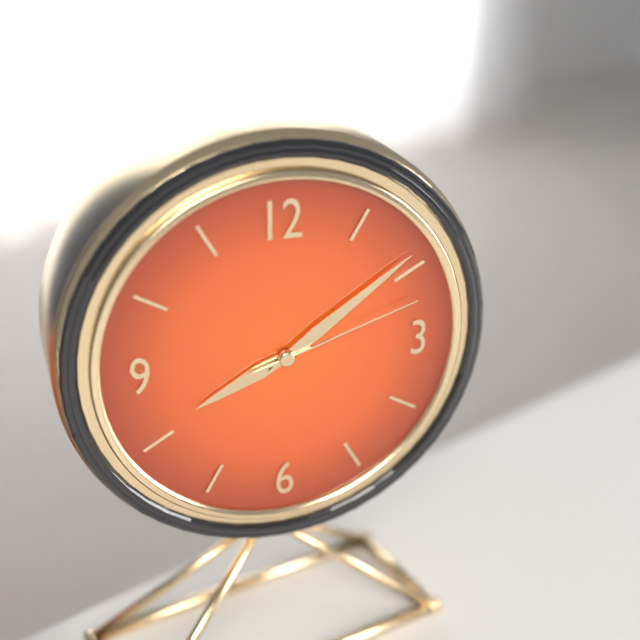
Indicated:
8.09.12
